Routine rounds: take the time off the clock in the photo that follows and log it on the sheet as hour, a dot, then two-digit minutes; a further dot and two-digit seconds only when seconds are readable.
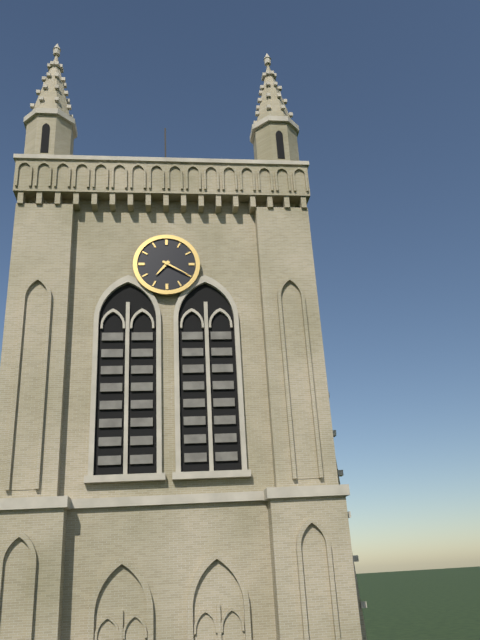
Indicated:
7.20
